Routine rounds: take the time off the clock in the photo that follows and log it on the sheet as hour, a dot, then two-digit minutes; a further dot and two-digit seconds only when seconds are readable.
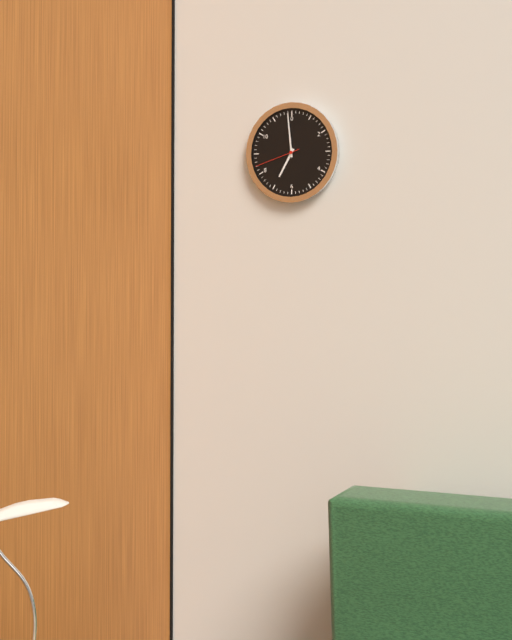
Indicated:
6.59
